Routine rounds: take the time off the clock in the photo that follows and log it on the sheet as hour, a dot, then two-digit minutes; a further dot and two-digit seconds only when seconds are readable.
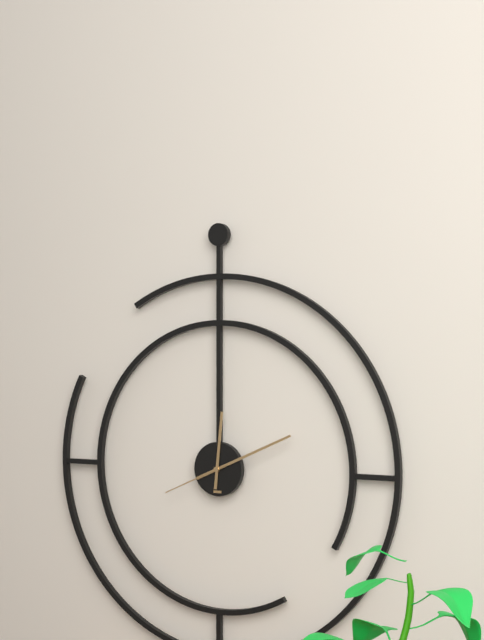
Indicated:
12.11.41
